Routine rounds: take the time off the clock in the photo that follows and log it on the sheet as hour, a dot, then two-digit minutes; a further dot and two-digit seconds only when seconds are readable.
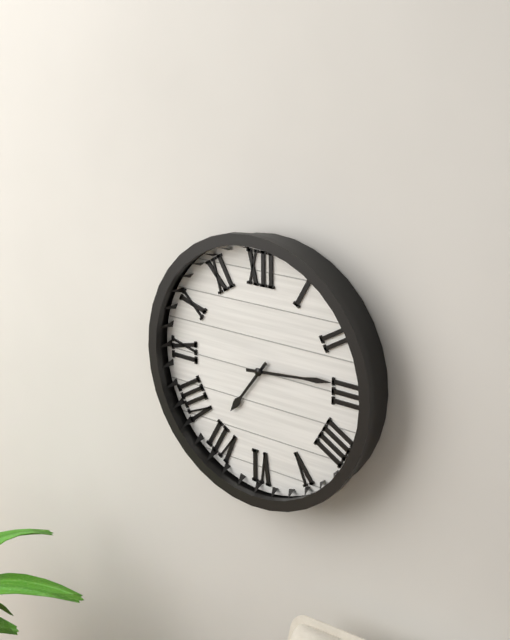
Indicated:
7.14
